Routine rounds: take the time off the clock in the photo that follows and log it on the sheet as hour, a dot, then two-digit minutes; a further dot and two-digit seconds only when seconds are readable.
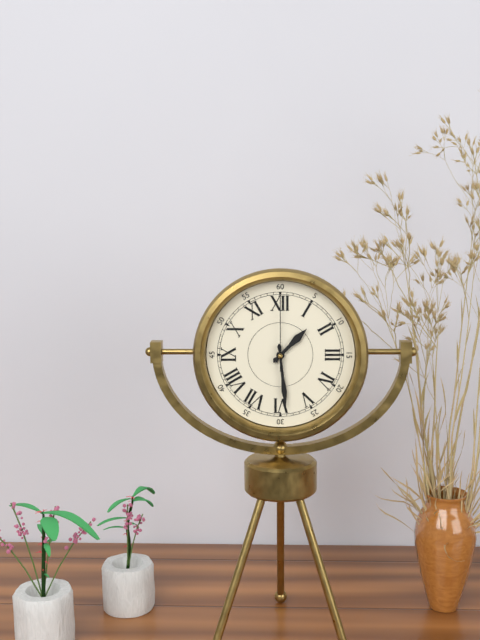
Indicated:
1.29.00
